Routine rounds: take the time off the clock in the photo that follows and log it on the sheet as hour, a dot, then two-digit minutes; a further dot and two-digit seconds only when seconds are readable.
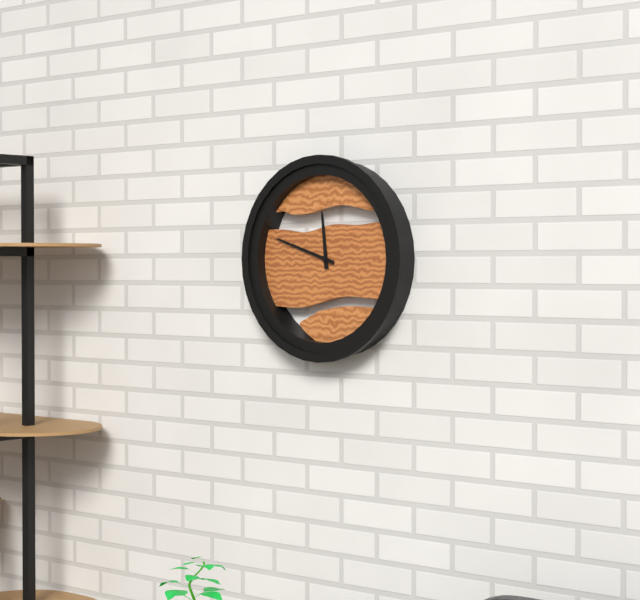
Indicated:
11.48
